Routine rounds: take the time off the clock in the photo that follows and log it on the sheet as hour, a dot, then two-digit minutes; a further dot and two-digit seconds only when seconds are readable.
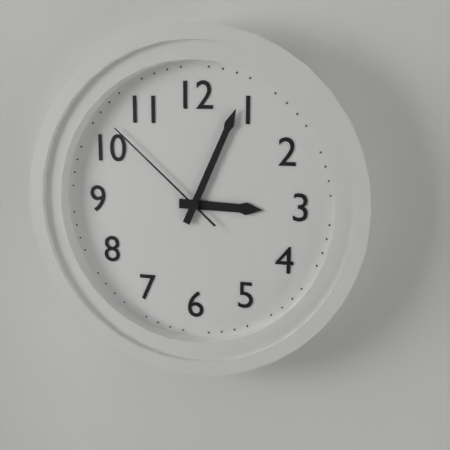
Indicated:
3.04.52
